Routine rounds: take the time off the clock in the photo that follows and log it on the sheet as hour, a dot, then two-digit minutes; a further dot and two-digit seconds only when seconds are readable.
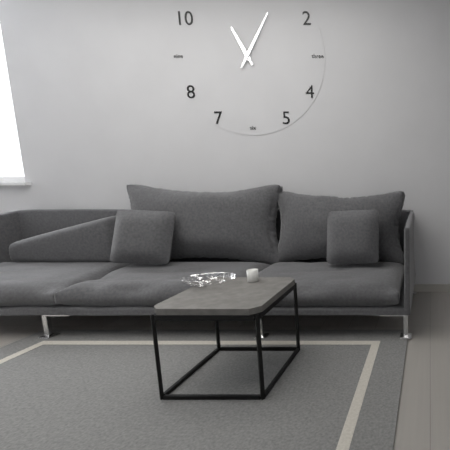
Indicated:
11.05
